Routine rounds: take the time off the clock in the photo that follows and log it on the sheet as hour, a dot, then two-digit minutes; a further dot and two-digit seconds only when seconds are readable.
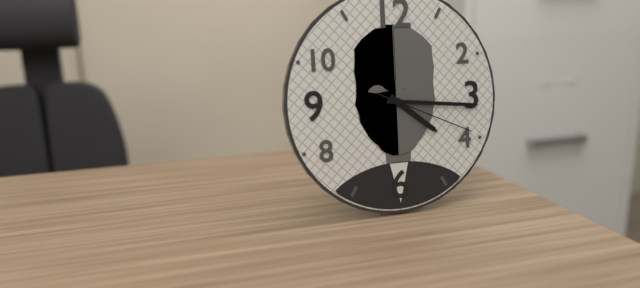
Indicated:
4.16.19
